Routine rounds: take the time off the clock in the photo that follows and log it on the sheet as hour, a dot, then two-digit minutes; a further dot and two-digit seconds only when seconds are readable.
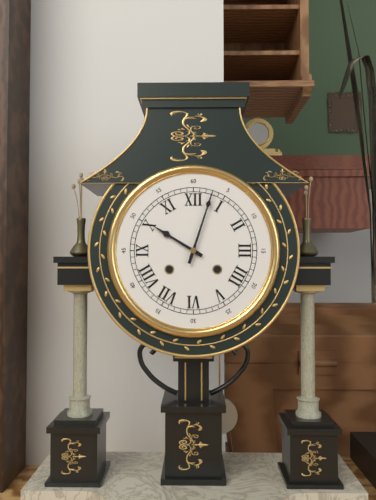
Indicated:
10.03
